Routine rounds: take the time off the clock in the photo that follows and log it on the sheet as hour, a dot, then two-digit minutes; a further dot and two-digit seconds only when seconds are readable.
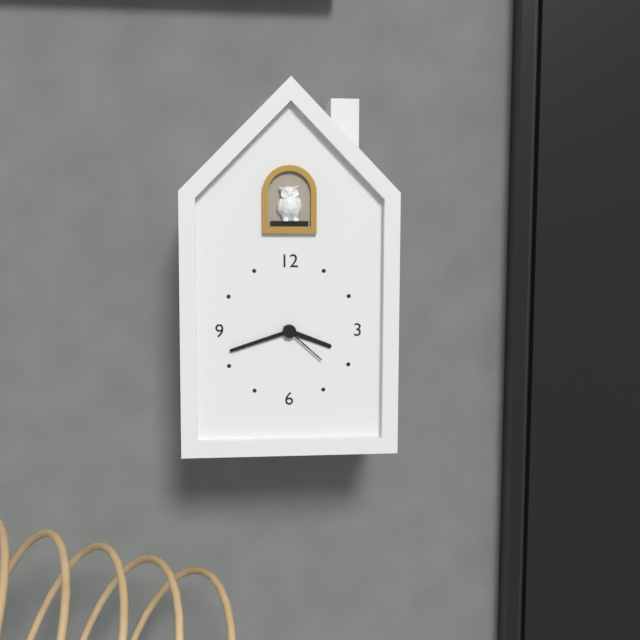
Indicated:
3.42.22
